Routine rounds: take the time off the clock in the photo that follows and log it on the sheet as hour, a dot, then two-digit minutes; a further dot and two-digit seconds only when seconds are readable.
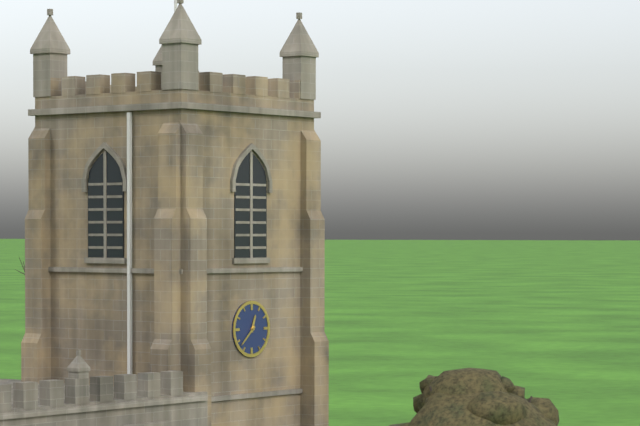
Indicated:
12.38
